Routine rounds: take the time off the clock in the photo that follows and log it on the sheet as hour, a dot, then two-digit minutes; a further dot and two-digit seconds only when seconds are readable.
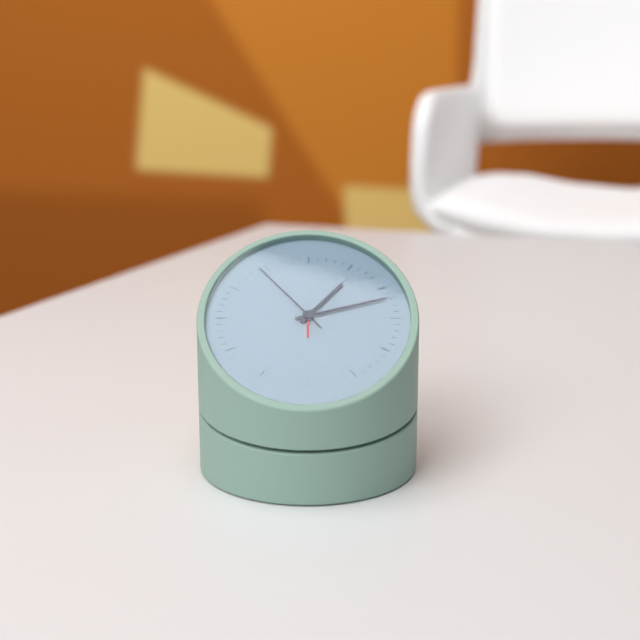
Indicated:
1.12.54
